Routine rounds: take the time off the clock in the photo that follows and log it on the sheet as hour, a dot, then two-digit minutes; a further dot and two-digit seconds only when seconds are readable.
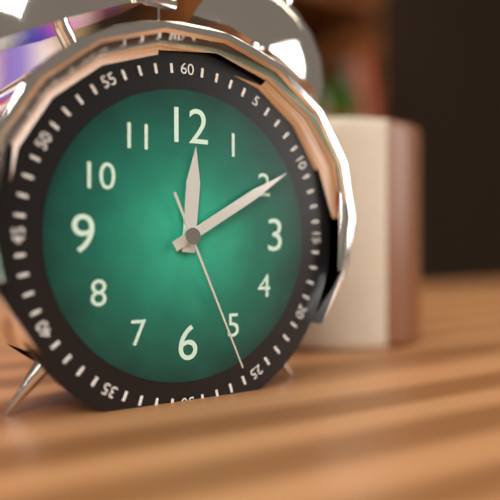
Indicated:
12.10.26
